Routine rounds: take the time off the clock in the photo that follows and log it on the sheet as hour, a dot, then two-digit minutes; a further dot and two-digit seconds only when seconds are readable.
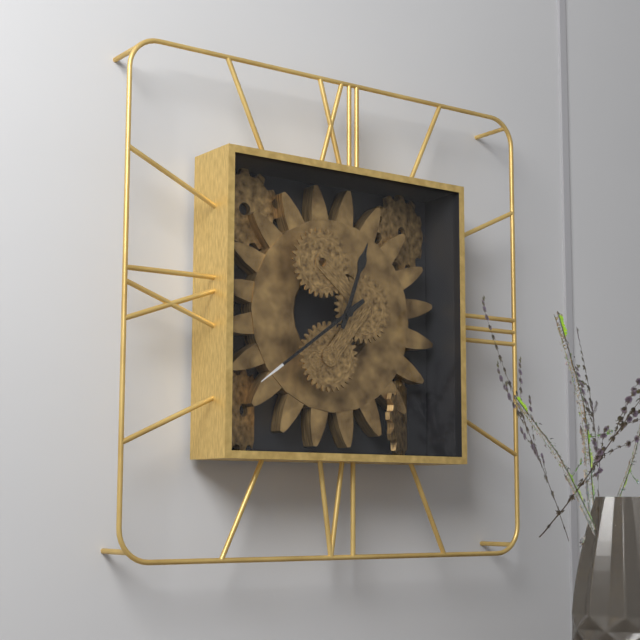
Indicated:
12.39
